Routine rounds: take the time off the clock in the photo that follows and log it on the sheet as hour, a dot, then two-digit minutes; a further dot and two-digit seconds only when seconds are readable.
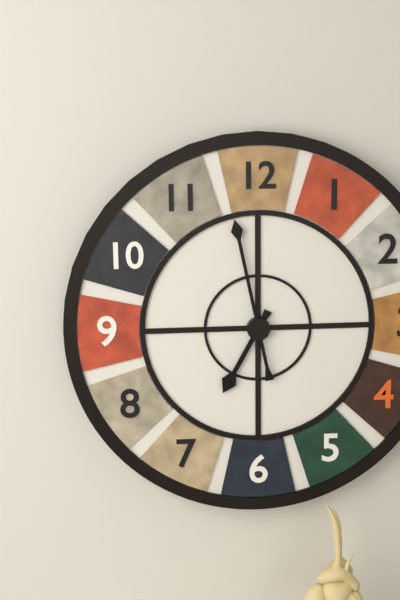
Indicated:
6.58
